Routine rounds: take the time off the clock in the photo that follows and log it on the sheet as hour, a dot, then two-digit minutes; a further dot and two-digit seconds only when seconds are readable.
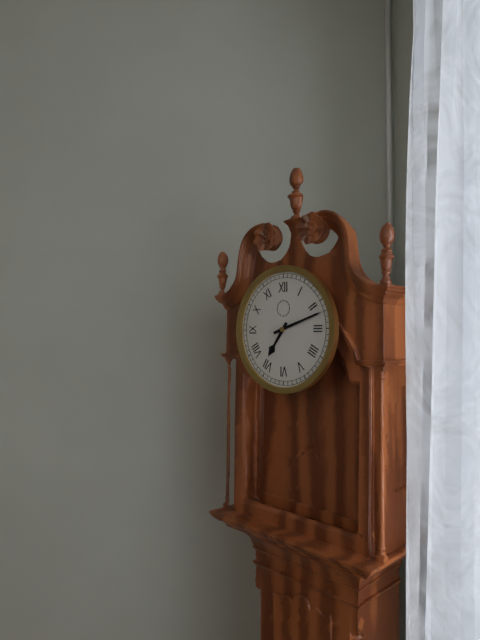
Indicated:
7.12
